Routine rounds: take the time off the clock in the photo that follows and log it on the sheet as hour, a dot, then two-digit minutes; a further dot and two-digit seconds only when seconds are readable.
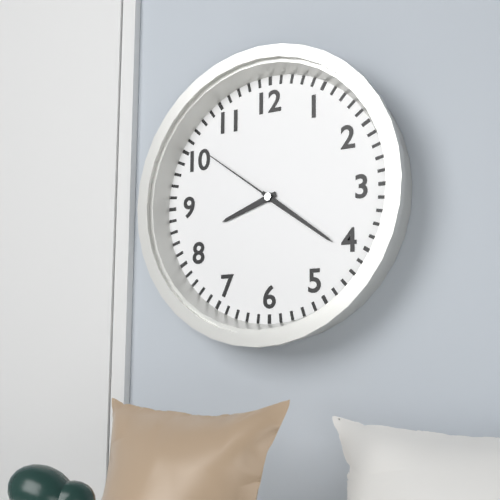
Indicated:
8.21.51
